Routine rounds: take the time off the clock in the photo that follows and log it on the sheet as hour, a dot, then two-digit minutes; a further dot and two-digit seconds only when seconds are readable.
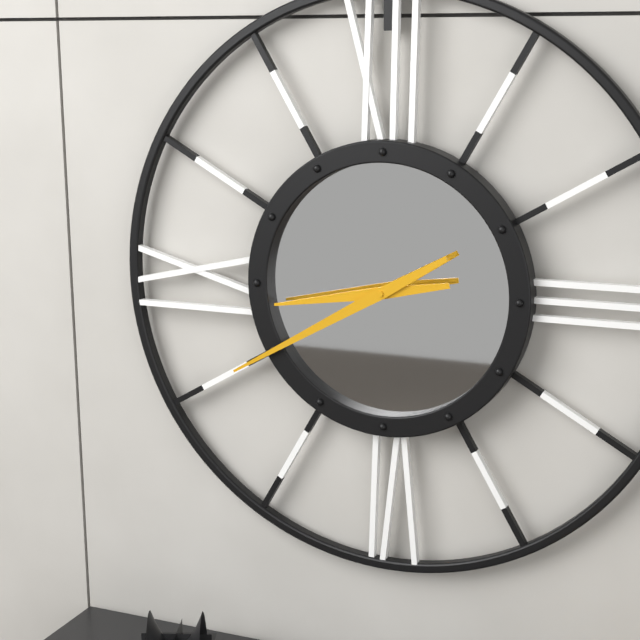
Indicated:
8.40
